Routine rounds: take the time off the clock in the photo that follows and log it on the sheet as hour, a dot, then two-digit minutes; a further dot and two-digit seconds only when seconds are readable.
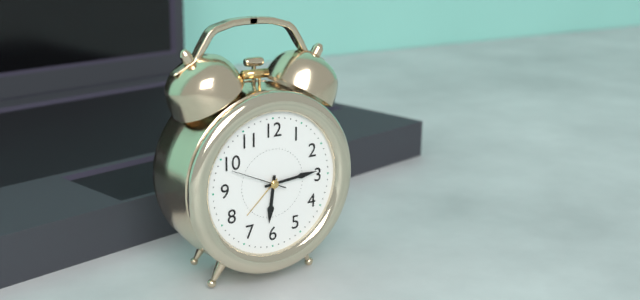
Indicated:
6.14.49
